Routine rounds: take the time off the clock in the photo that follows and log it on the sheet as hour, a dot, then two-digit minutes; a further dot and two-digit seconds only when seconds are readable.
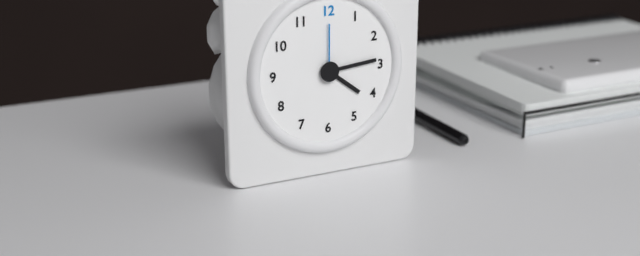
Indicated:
4.14.00
